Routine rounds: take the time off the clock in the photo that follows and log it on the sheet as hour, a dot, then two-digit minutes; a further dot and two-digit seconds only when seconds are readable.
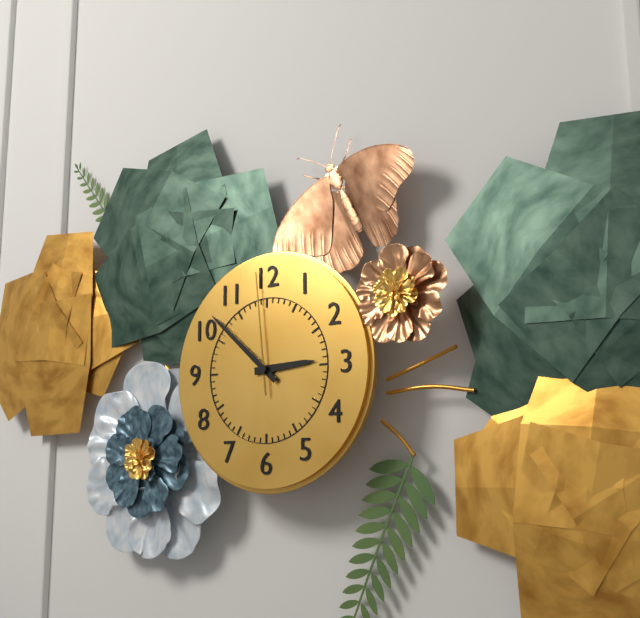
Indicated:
2.52.59
